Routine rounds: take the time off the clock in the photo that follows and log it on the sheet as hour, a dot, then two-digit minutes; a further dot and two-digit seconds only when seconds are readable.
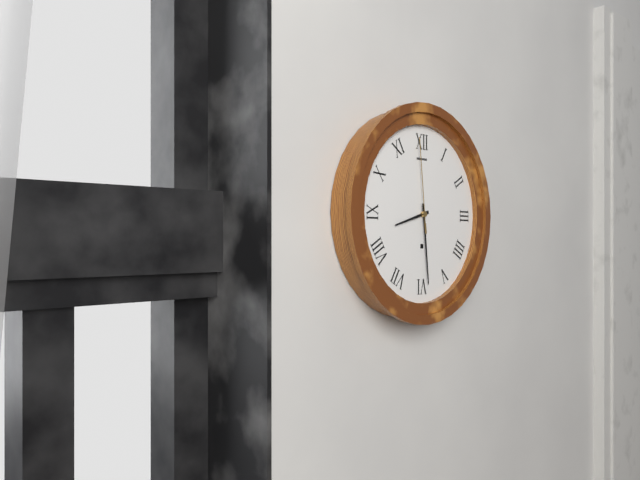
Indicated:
8.29.59
